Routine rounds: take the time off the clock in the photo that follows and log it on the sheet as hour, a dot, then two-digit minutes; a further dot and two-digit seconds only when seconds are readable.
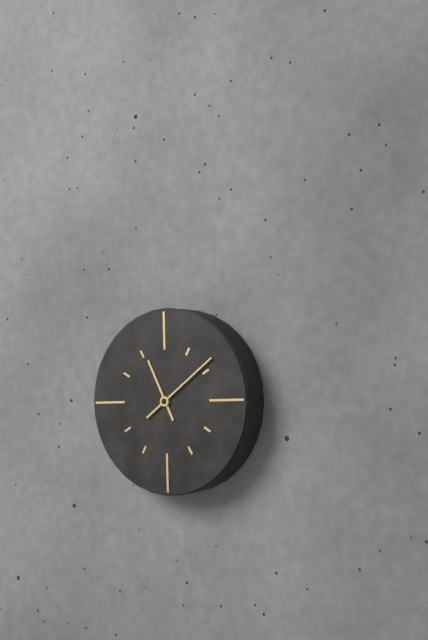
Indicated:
11.09
